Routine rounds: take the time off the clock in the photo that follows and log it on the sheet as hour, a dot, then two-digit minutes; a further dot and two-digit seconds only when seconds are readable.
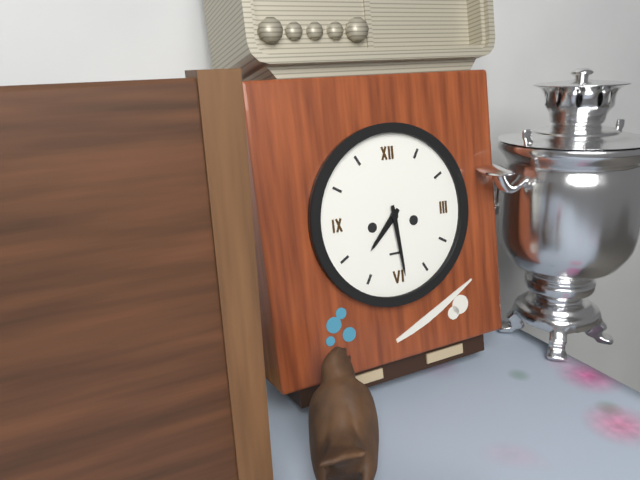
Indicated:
7.29
